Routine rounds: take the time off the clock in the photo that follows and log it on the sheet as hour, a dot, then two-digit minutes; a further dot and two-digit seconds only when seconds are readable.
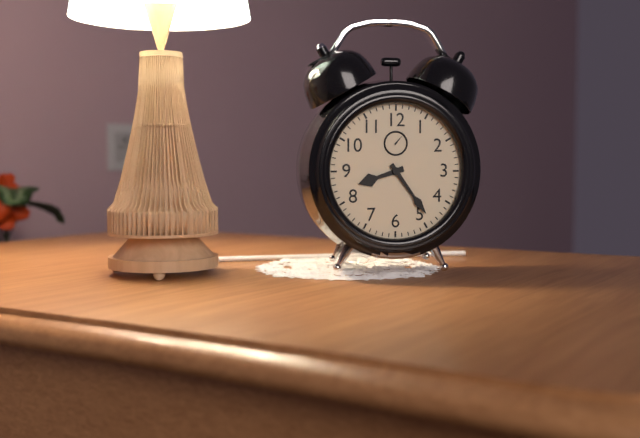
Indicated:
8.24
